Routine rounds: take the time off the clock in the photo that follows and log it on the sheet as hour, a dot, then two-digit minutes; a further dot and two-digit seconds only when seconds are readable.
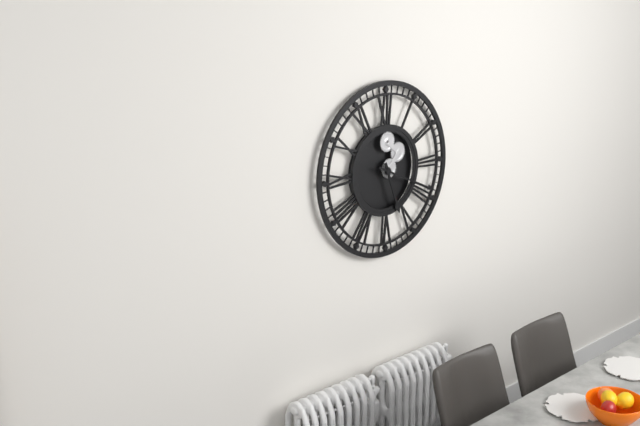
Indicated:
5.19
